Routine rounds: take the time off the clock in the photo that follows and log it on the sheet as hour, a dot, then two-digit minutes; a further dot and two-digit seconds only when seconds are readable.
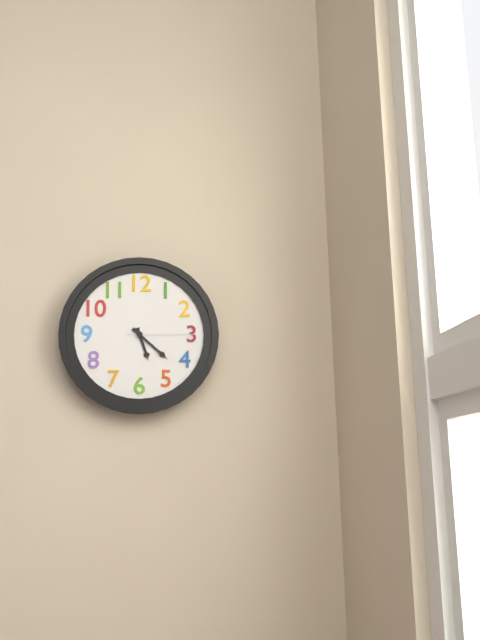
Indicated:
5.22.15
